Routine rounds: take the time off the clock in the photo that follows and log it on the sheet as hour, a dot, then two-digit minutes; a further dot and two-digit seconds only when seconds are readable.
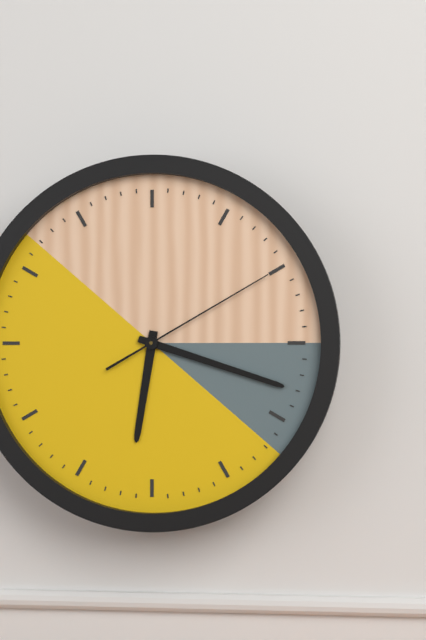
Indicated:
6.18.10
